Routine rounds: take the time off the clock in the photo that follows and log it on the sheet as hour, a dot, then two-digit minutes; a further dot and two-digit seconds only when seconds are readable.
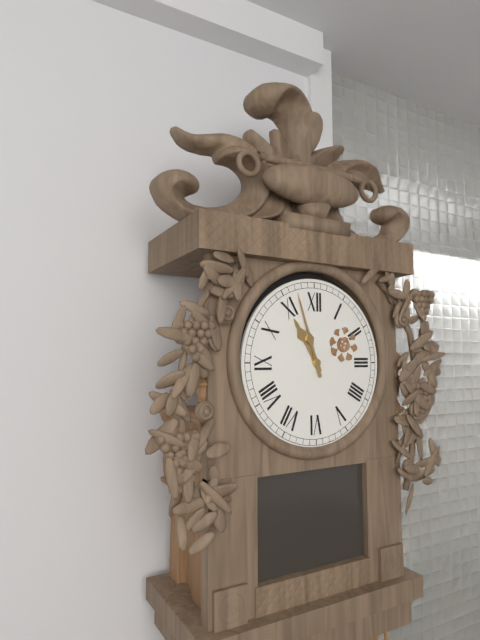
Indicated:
10.57
